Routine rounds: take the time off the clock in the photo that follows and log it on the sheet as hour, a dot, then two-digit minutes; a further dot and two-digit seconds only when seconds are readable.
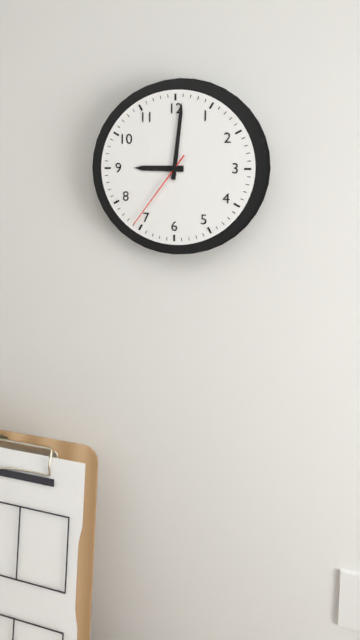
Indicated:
9.01.36
